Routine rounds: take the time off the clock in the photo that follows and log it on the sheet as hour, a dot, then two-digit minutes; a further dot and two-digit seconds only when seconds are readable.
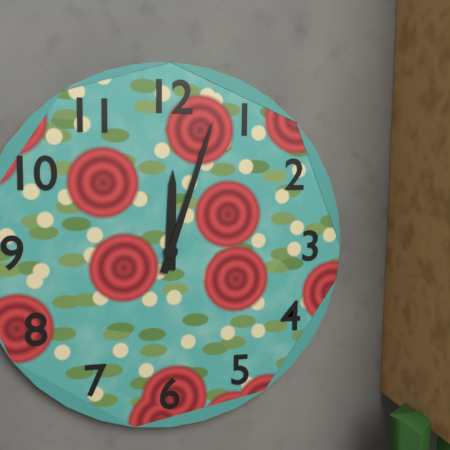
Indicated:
12.03
